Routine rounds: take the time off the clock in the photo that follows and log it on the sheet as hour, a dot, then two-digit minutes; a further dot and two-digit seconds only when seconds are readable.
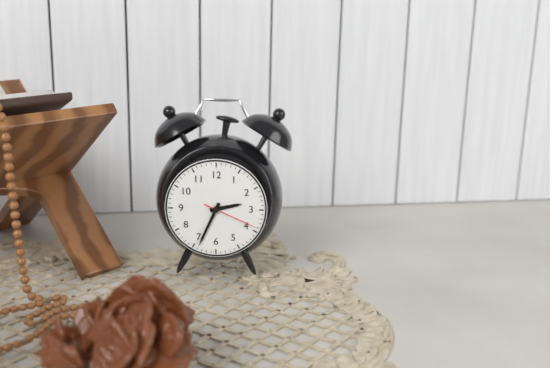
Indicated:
2.34.19
